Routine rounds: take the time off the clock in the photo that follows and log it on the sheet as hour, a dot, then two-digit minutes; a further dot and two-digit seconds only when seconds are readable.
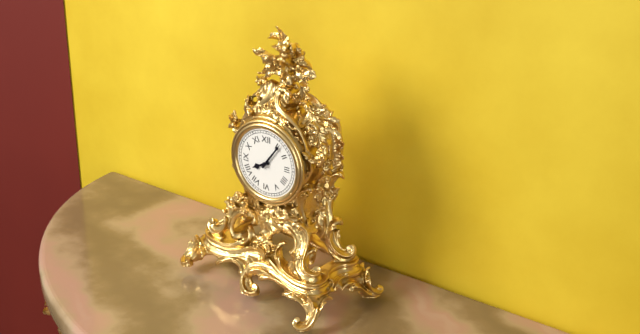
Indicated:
8.06
